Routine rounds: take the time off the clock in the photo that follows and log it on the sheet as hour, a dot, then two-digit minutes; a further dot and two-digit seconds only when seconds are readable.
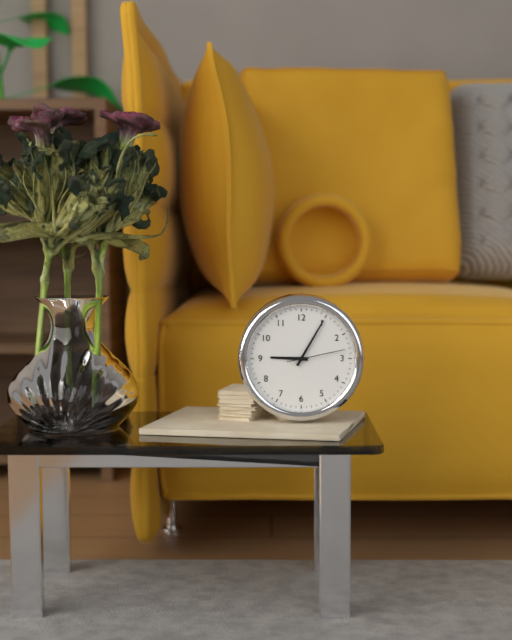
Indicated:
9.05.13
